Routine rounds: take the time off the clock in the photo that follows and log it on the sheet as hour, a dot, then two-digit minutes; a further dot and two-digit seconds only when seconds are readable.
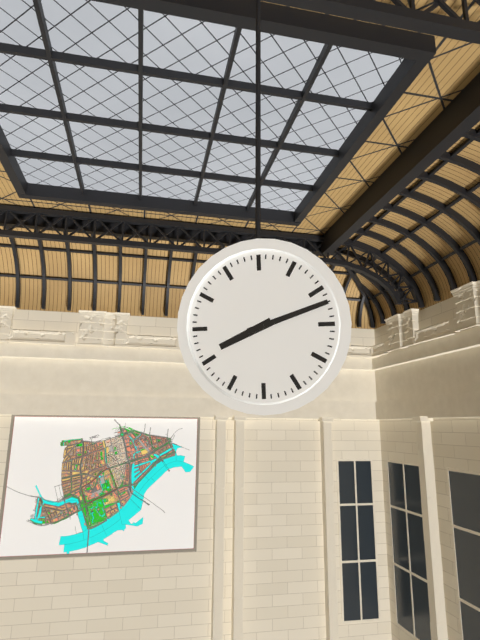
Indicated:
8.12
